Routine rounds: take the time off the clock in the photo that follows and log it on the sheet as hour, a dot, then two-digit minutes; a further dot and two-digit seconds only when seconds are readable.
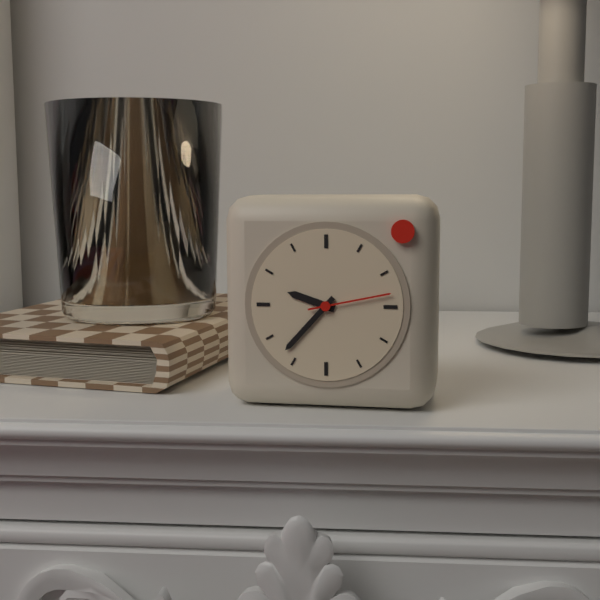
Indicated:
9.37.13
